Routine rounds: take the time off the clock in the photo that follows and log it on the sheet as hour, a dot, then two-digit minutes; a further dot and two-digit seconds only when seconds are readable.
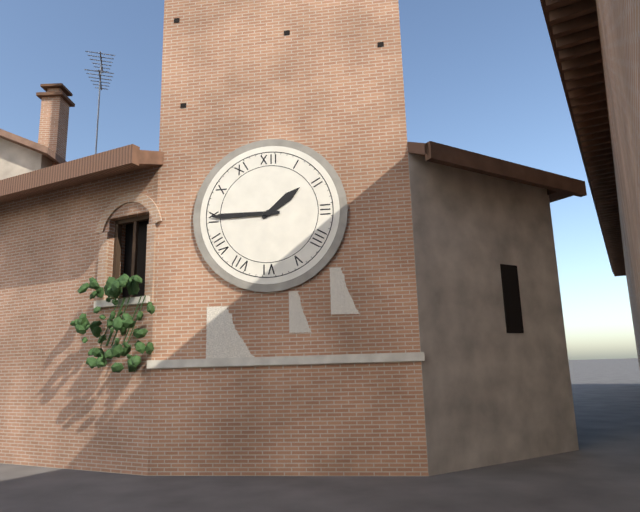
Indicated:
1.45
